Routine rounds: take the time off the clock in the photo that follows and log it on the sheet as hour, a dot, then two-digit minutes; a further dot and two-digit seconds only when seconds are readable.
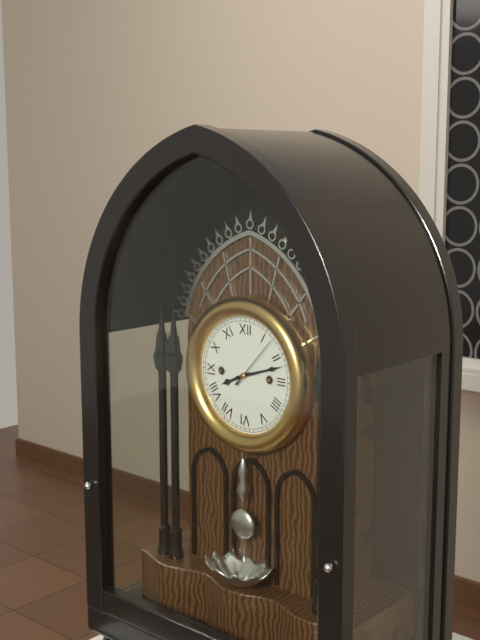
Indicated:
8.12.07
